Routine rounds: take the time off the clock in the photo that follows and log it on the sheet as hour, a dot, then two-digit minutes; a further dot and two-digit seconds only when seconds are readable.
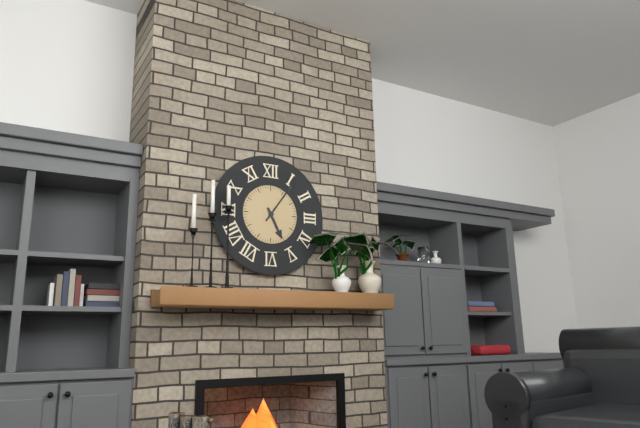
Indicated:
5.06
